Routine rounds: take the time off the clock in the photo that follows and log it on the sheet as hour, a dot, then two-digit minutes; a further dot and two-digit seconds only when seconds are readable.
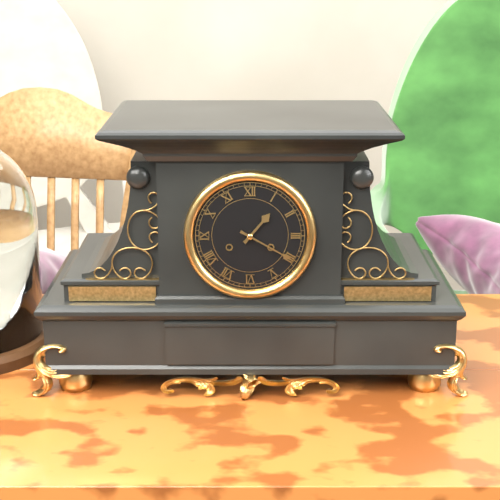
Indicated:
1.20
